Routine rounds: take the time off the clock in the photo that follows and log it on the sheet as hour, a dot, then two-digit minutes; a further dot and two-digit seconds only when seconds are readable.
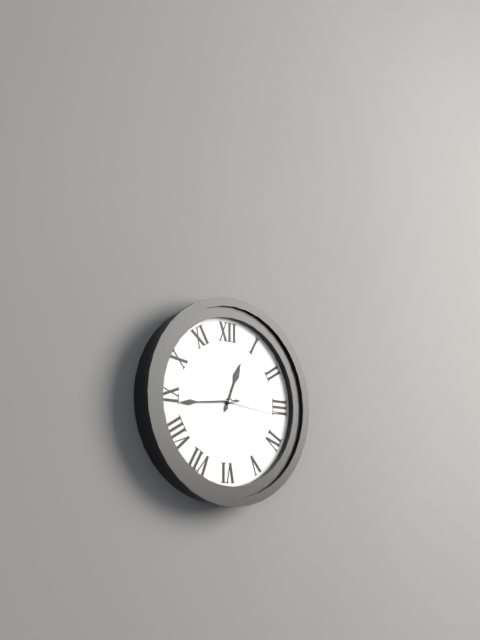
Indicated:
12.44.16
